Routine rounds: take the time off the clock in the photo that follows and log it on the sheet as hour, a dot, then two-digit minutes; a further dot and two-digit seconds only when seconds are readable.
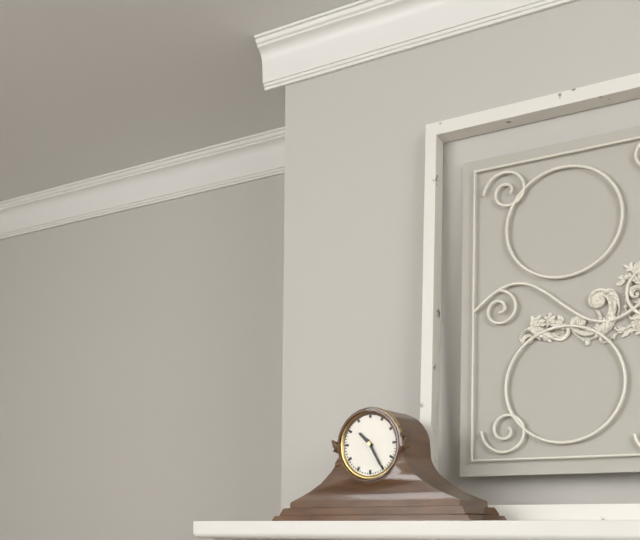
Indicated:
10.25
